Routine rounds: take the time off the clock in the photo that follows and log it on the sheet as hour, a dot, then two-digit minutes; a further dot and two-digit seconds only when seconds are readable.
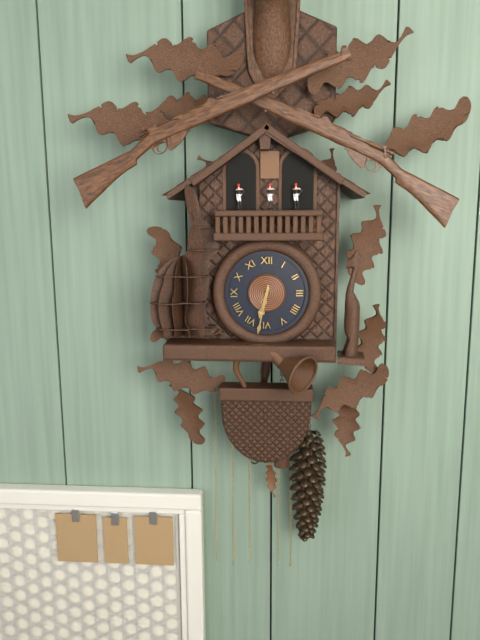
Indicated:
6.32
